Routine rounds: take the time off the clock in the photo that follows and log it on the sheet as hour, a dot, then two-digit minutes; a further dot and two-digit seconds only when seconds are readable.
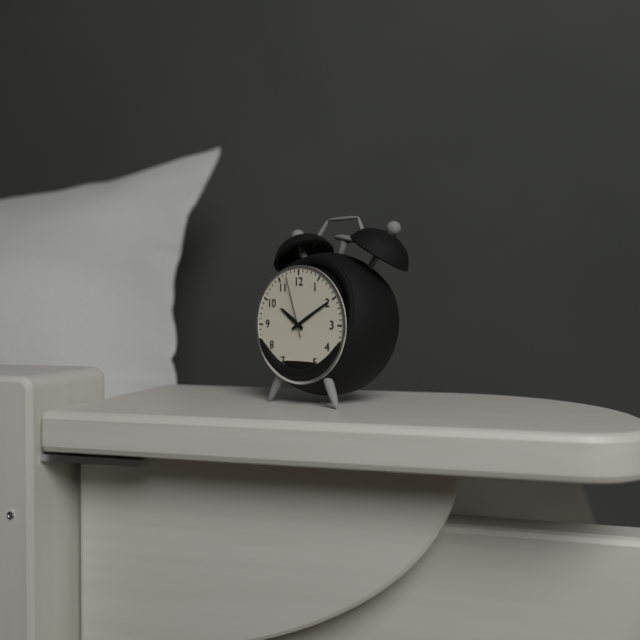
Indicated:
10.10.57
